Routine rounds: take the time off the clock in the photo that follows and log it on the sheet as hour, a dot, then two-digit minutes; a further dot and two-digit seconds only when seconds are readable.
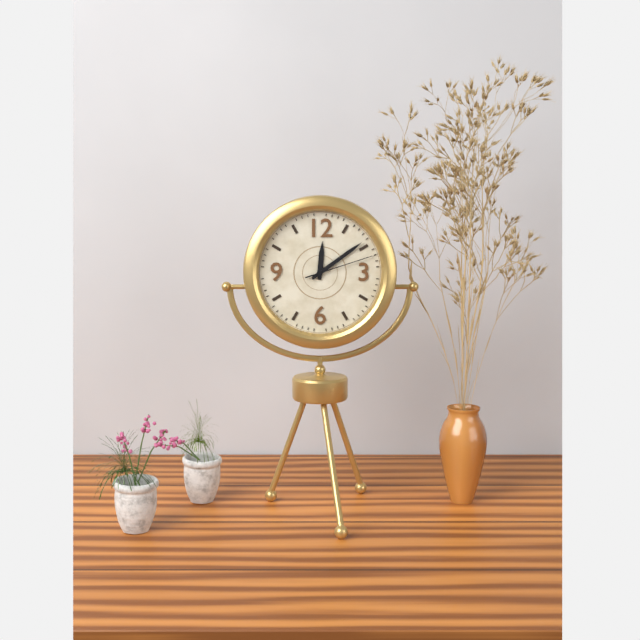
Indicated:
12.09.12
